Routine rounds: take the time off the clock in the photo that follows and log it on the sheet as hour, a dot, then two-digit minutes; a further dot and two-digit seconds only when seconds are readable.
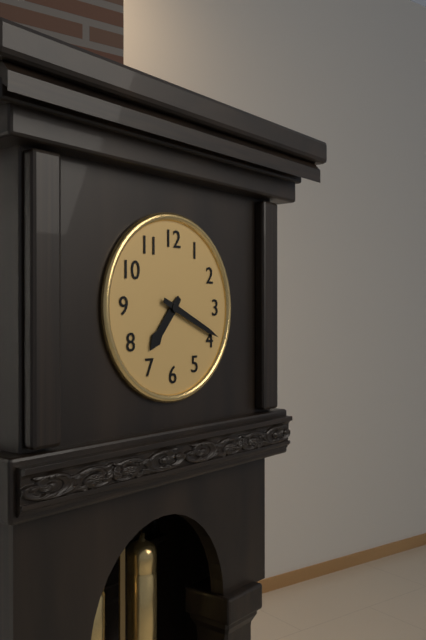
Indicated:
7.19
